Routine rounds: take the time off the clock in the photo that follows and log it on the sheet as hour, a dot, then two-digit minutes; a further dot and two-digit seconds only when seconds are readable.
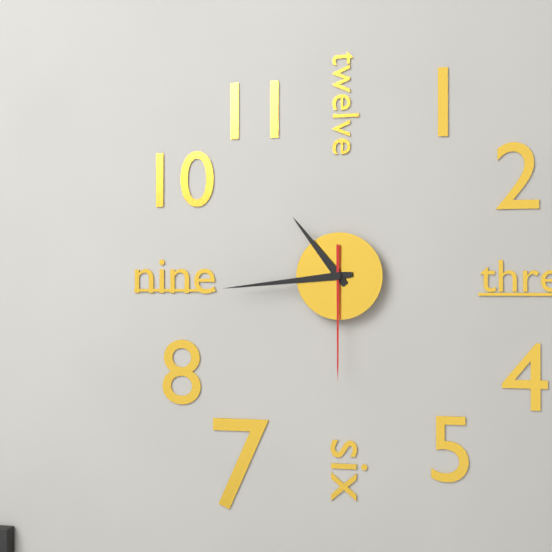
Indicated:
10.44.30
